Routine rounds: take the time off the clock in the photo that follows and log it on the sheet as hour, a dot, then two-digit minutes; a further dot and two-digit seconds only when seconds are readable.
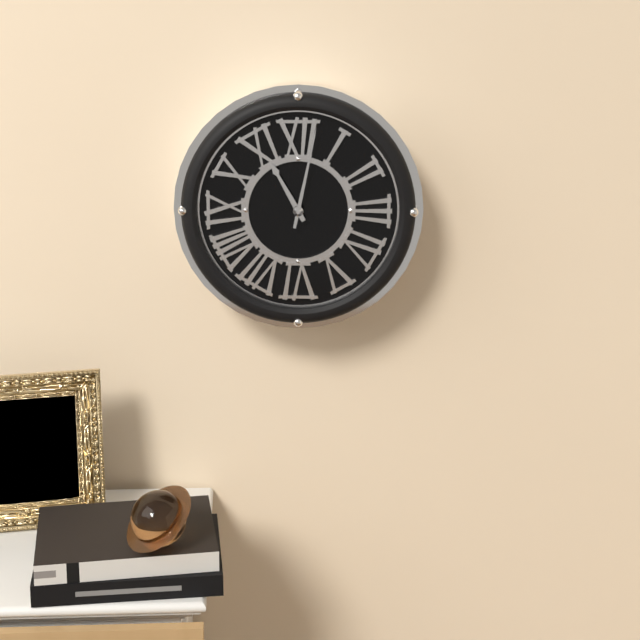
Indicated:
11.02
